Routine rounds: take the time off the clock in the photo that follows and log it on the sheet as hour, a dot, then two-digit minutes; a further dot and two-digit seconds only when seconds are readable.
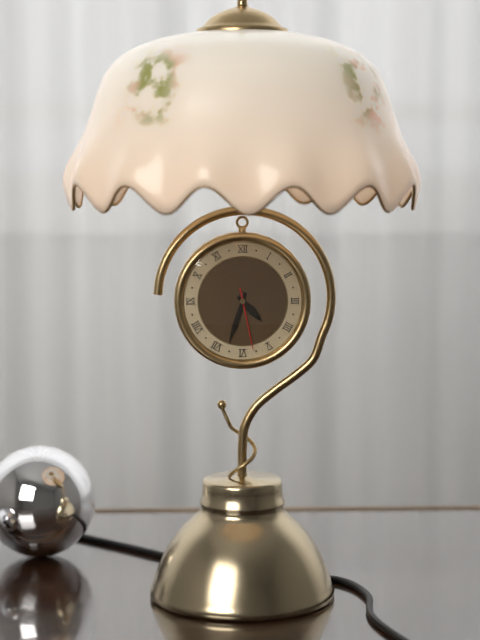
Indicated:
4.33.28
